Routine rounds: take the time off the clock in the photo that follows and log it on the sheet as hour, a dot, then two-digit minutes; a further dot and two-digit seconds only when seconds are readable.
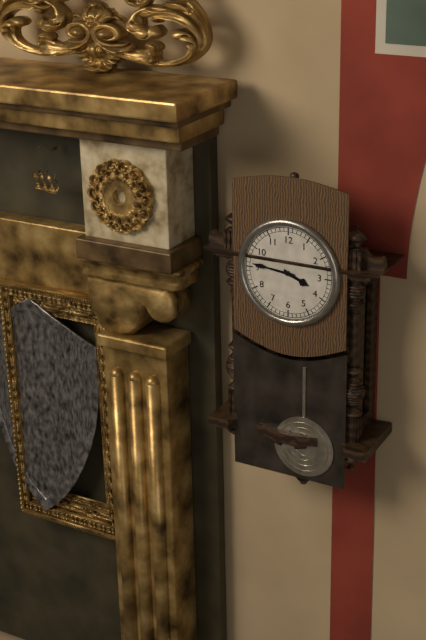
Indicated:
3.46
